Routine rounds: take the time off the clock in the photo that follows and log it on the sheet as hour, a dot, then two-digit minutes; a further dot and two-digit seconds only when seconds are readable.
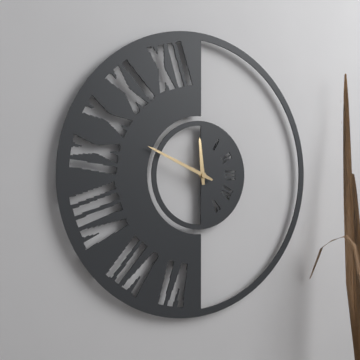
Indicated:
11.49
